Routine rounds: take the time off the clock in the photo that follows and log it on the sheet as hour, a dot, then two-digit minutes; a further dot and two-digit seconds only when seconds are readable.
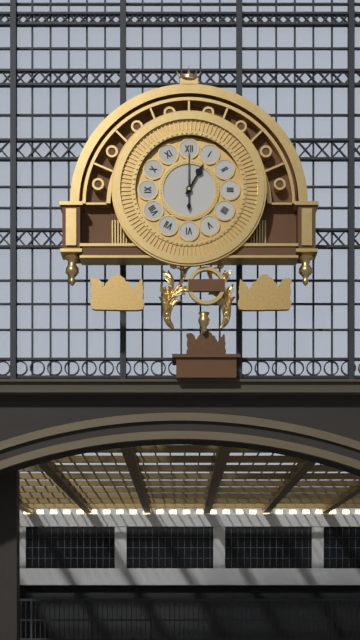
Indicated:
1.00
